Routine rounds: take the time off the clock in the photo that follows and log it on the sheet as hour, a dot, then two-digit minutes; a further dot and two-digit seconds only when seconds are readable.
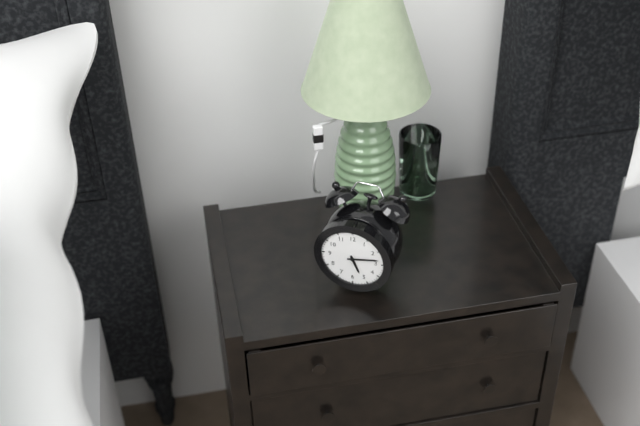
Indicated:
5.13
